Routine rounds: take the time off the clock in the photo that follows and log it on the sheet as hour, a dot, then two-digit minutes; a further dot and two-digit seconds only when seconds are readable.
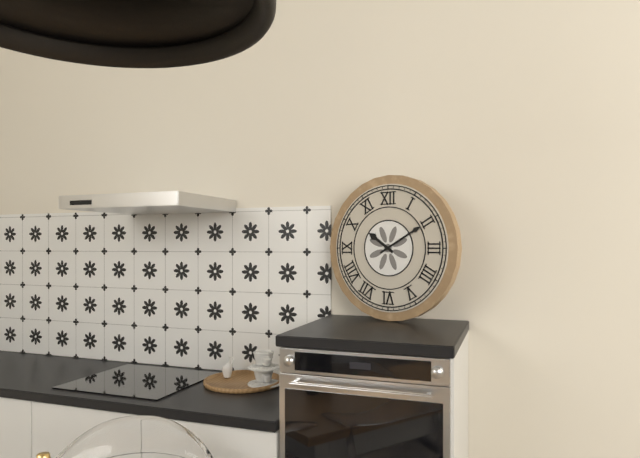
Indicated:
10.10
